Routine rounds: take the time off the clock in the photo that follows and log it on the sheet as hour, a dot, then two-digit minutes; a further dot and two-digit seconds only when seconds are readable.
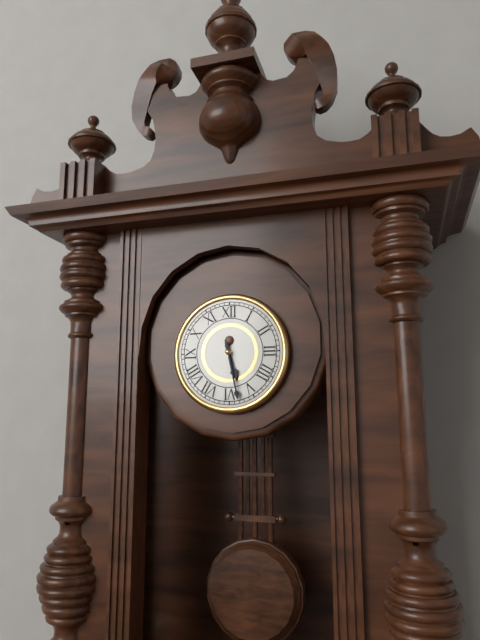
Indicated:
5.28
